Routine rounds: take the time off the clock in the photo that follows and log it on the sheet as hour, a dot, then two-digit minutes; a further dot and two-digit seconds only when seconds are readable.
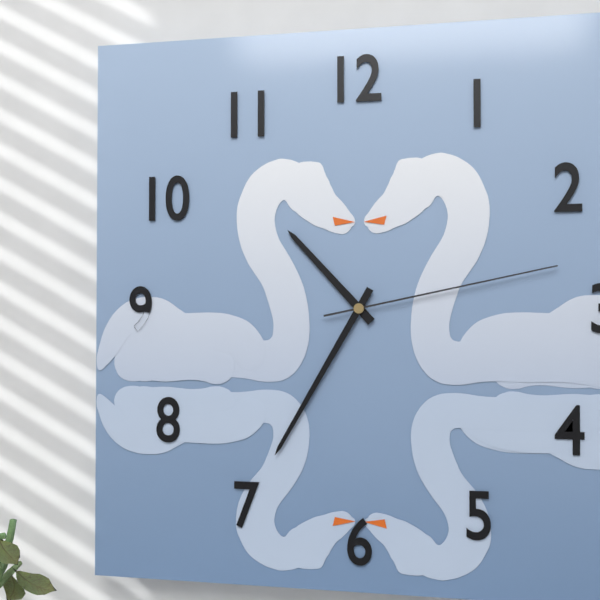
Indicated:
10.35.13
